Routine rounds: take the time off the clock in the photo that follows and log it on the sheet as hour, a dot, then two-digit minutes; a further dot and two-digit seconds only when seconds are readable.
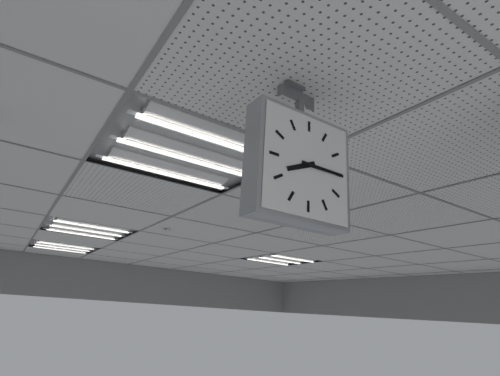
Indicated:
8.15
